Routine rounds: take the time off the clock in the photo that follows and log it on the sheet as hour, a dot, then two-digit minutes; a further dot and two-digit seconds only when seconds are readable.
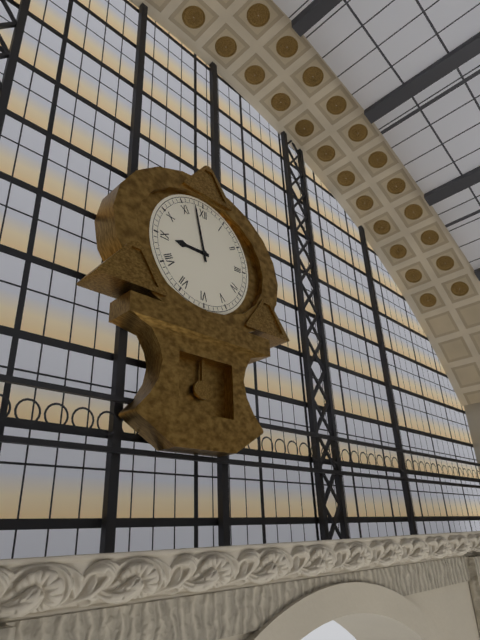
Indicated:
8.58
